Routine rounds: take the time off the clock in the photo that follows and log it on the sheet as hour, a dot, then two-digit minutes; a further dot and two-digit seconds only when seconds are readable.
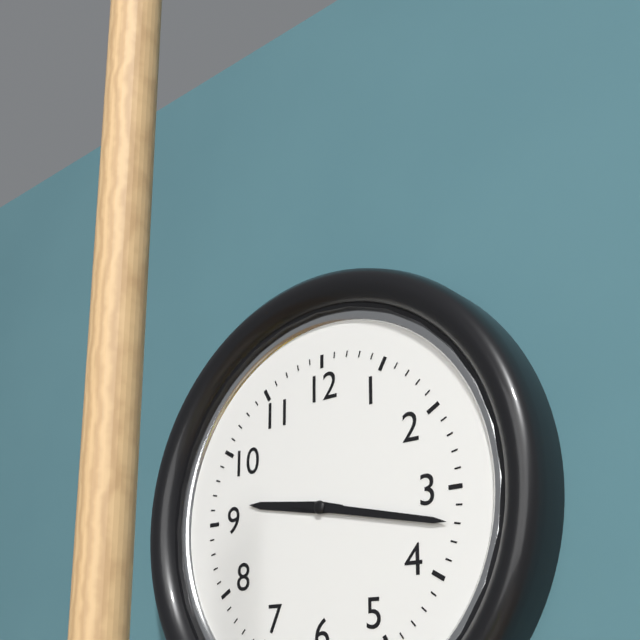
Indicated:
9.17
